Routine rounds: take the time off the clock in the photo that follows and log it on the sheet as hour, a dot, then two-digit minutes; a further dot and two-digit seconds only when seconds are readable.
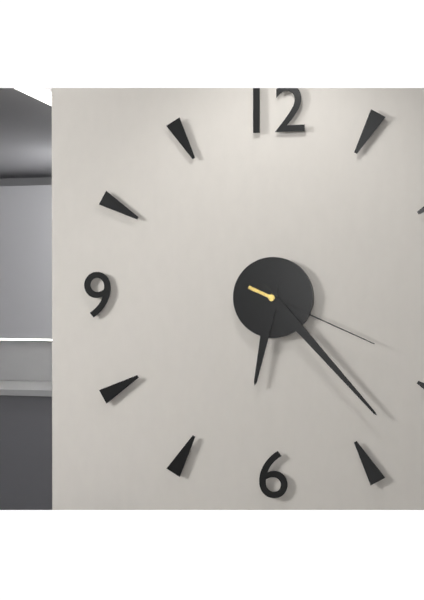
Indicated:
6.23.19
